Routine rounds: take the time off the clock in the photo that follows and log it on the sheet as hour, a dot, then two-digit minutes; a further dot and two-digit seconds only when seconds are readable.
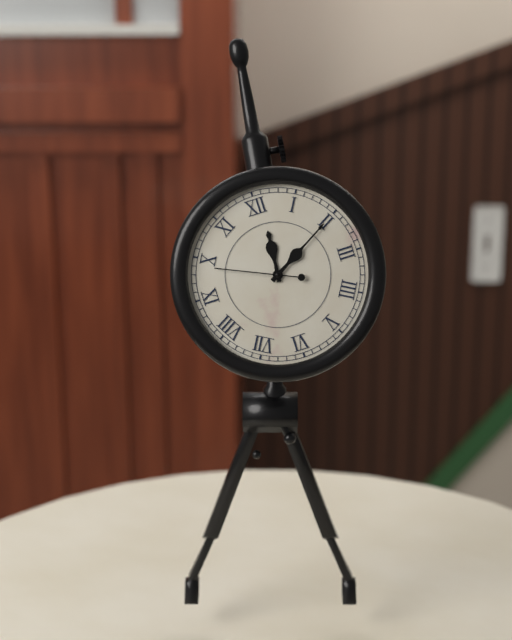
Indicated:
12.10.49
